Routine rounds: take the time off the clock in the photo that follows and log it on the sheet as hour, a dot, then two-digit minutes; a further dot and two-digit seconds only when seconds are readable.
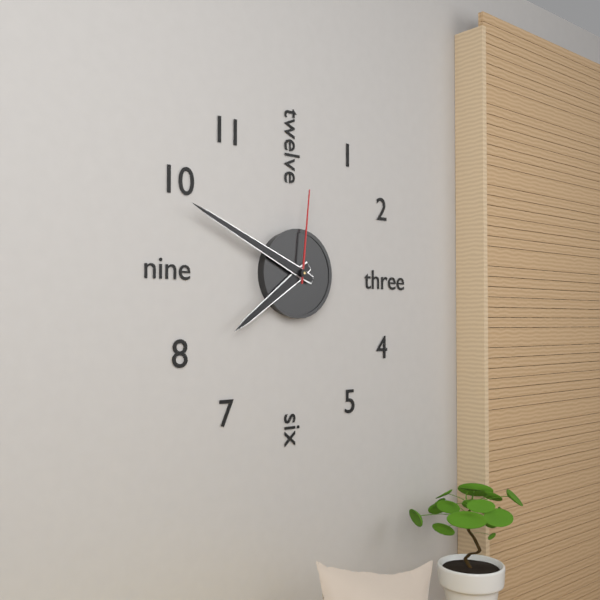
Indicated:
7.49.01
